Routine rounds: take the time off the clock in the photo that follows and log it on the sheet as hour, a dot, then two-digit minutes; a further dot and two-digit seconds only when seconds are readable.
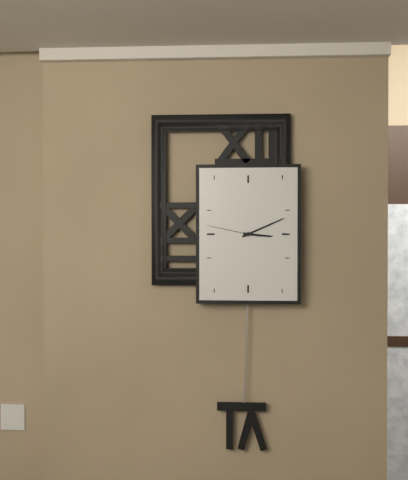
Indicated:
3.11.47
